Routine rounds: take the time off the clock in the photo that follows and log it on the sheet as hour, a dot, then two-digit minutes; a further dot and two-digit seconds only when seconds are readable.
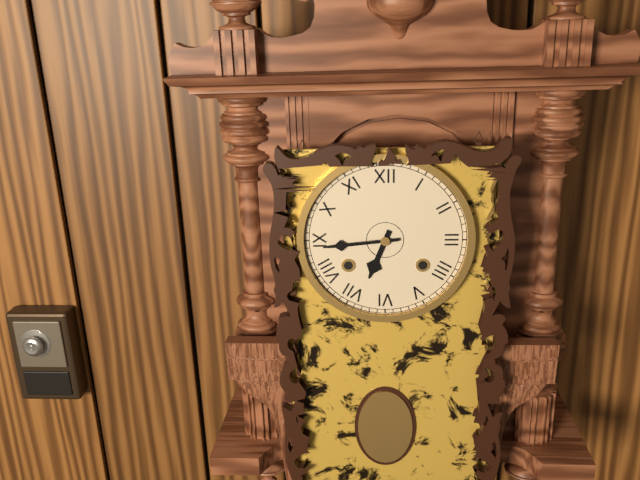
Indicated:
6.44
